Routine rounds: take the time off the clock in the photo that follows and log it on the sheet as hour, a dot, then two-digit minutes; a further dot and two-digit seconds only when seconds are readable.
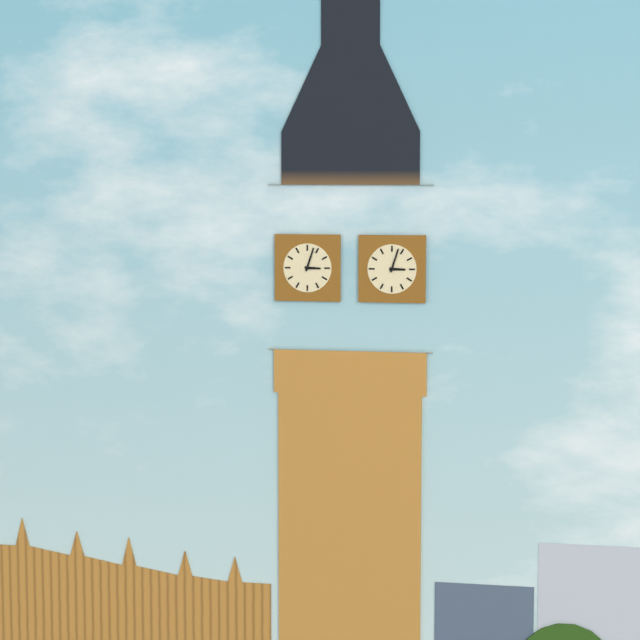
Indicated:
3.03
